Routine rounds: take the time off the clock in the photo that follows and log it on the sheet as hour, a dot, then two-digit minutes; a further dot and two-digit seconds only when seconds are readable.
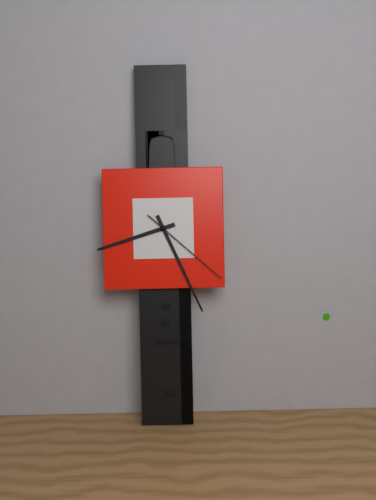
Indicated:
8.26.22
